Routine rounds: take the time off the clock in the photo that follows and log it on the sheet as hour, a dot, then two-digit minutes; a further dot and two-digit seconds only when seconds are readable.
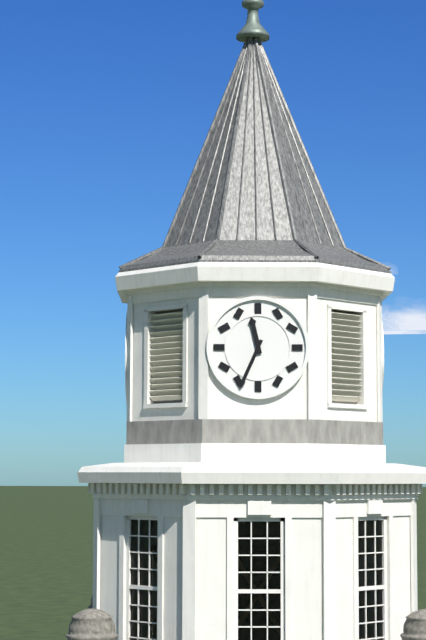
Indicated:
11.34
